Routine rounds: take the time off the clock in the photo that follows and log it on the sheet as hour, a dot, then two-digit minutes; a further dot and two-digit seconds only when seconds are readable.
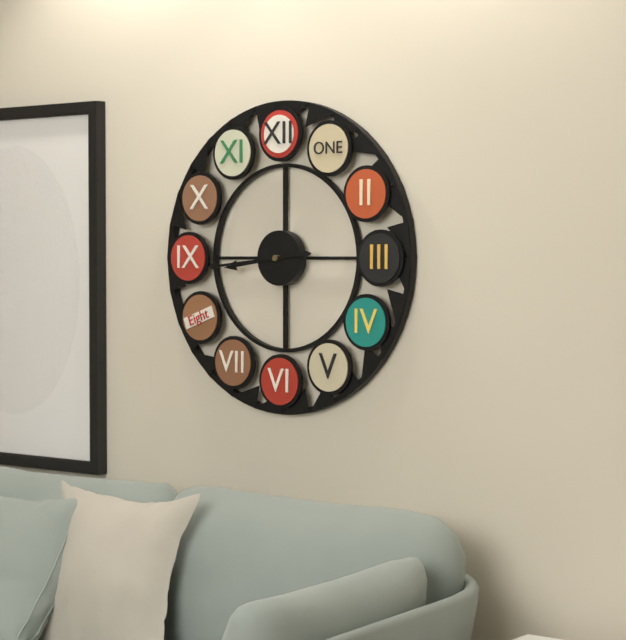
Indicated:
8.44
